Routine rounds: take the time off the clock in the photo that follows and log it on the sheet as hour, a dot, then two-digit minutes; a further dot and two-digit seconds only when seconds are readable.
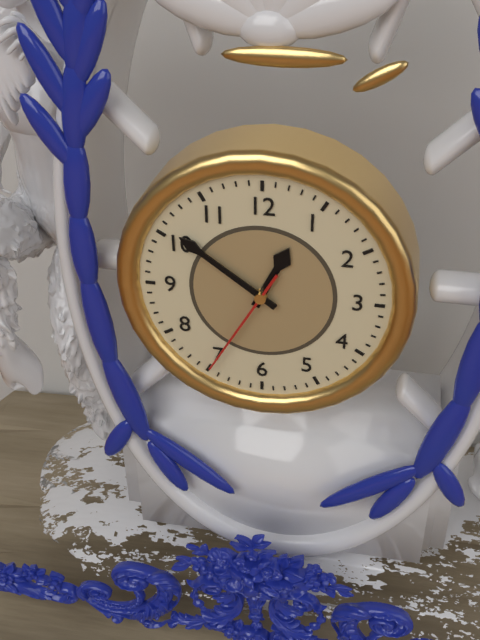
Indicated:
12.51.35
